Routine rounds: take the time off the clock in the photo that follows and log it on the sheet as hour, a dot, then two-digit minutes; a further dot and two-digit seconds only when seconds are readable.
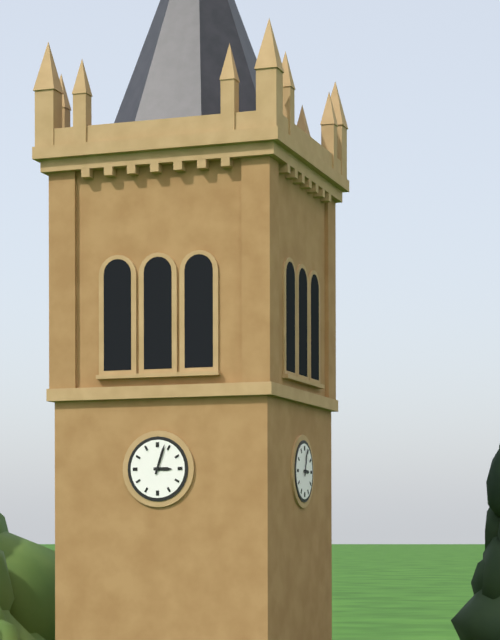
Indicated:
3.03
